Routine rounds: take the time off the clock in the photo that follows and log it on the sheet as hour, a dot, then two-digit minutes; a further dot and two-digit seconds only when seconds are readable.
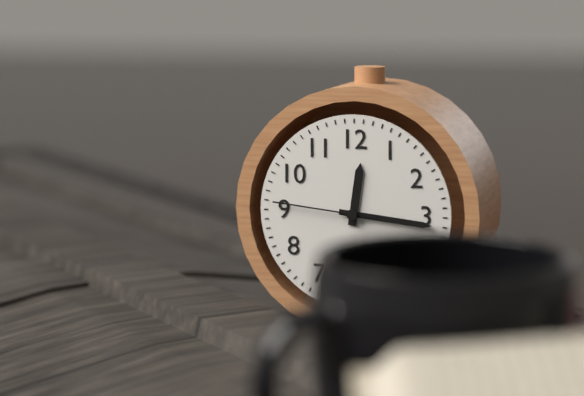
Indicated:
12.16.46
